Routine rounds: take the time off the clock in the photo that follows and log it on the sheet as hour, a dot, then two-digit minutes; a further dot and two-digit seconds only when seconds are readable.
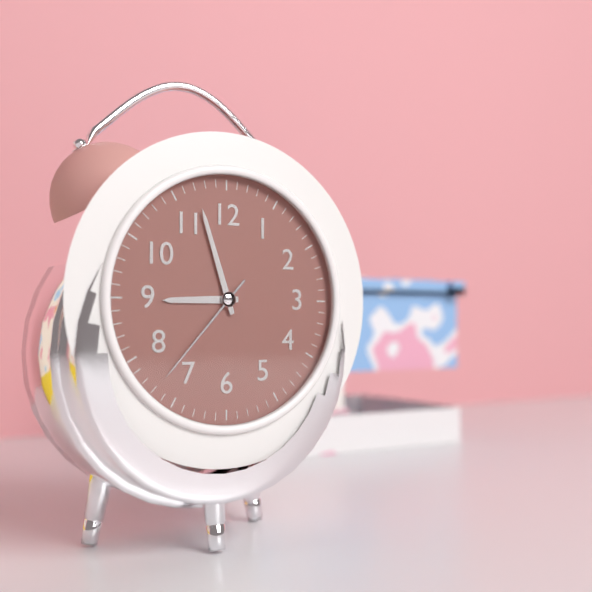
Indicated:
8.57.37
